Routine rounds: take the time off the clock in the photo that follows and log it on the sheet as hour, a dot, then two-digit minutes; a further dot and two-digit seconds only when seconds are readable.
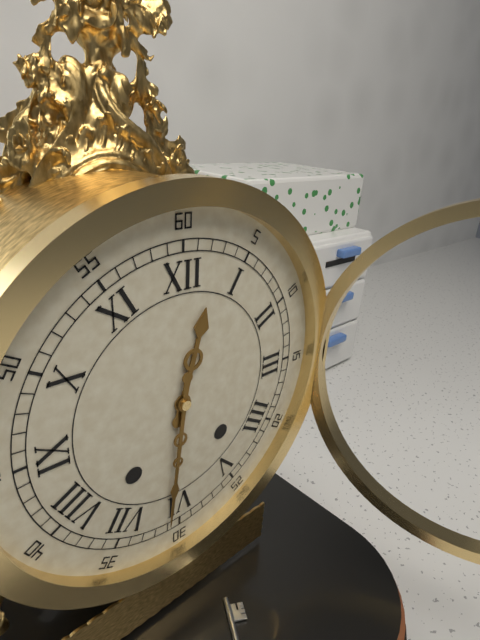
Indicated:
12.31
